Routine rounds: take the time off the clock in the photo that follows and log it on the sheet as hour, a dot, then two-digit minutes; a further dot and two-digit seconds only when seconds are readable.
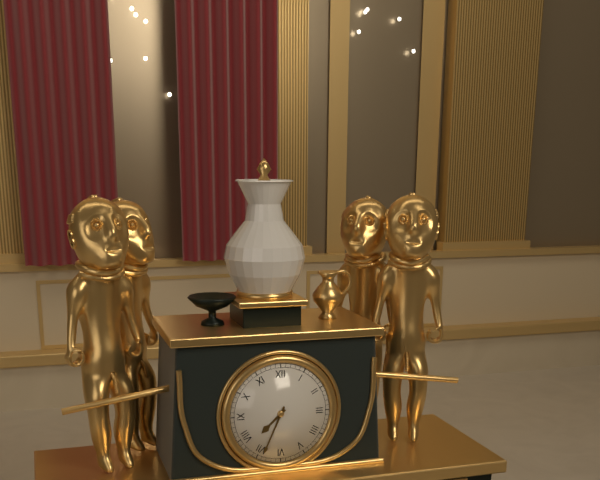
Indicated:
7.34
